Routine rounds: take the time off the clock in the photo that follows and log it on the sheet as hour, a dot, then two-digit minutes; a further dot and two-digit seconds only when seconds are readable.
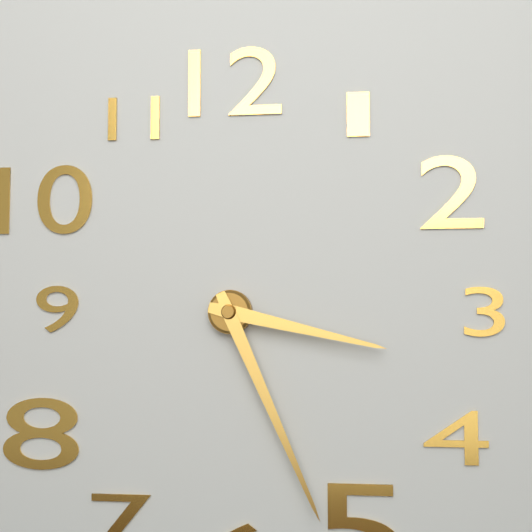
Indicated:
3.26
